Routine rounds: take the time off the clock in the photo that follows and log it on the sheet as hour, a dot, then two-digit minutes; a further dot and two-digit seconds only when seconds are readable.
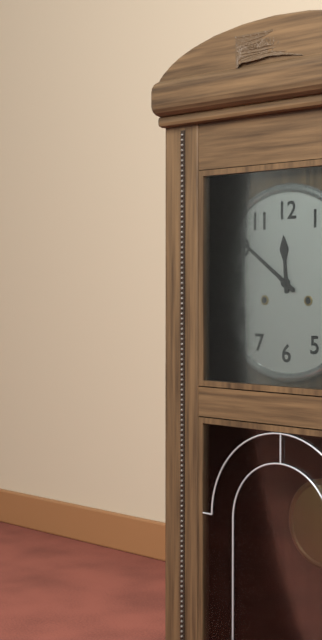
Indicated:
11.51
